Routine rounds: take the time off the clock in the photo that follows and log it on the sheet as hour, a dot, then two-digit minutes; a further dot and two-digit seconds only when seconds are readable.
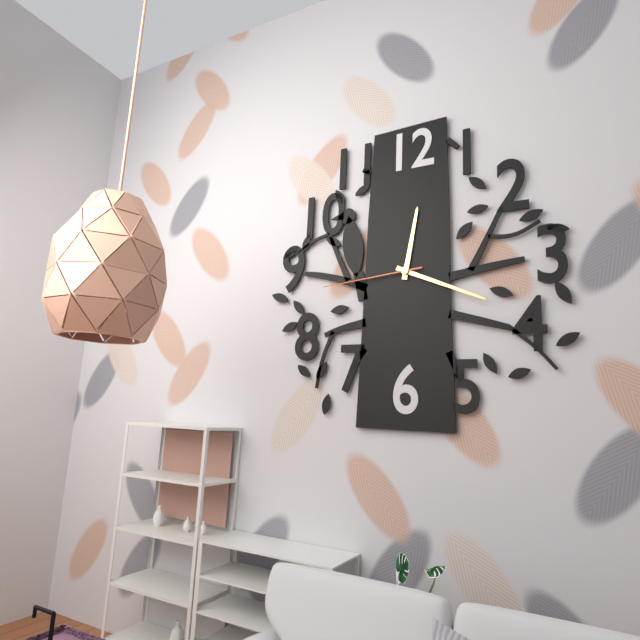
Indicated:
12.19.44
